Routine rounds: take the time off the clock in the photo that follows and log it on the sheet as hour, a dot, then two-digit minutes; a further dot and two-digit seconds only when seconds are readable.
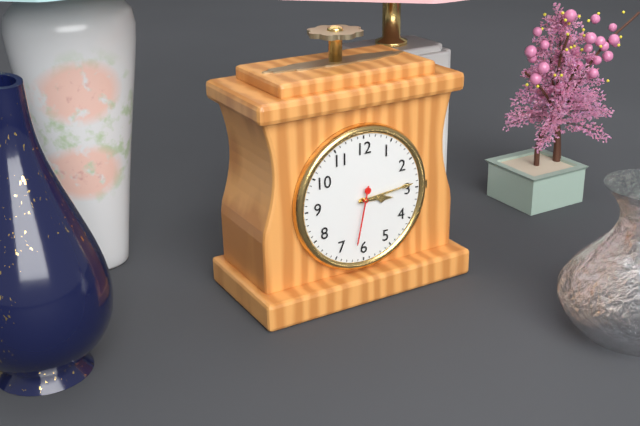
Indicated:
3.14.32
